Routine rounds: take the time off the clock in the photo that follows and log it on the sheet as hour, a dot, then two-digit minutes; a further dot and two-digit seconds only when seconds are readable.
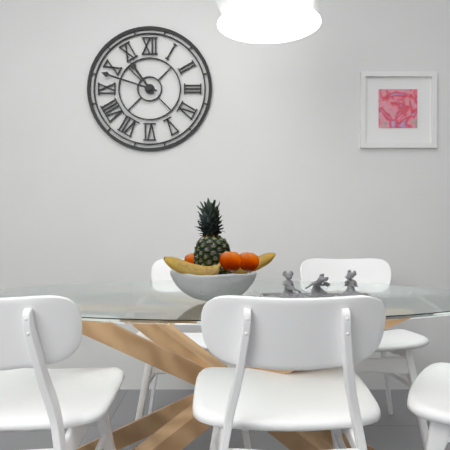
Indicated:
10.48
